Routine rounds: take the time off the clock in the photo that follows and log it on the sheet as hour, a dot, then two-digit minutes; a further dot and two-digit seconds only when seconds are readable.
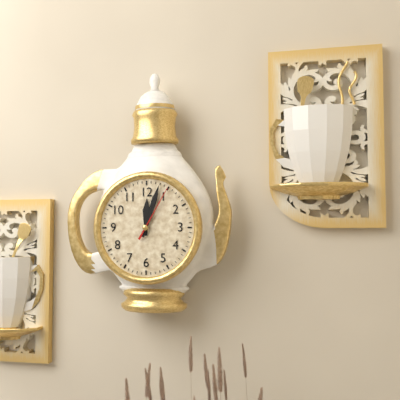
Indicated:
12.03.05
